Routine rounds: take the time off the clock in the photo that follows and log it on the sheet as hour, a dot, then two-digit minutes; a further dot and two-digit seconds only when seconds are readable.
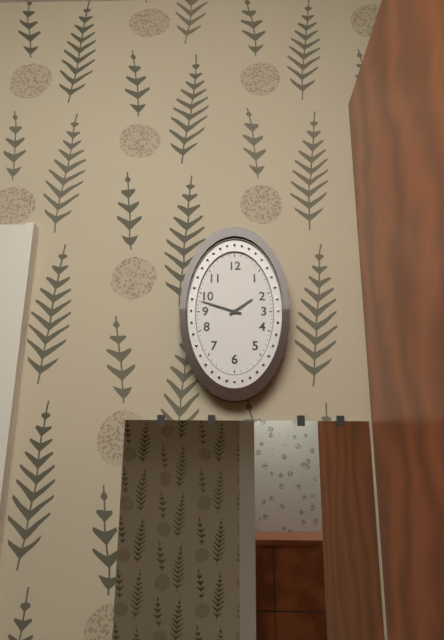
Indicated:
1.48
